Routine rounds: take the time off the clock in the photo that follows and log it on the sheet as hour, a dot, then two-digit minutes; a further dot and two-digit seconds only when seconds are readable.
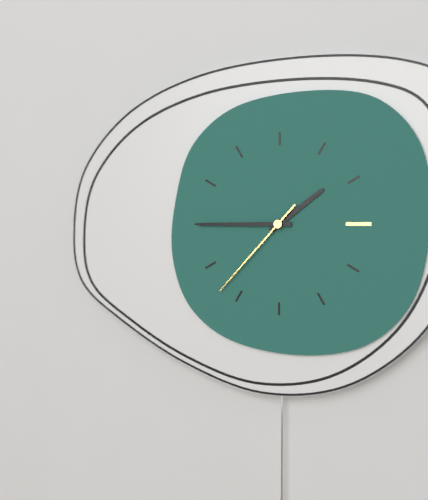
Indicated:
1.45.37
